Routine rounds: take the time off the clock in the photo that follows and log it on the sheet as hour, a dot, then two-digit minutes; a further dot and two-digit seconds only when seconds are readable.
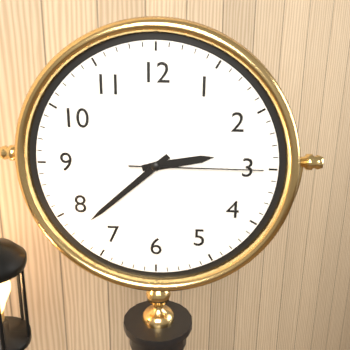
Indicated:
2.38.15
